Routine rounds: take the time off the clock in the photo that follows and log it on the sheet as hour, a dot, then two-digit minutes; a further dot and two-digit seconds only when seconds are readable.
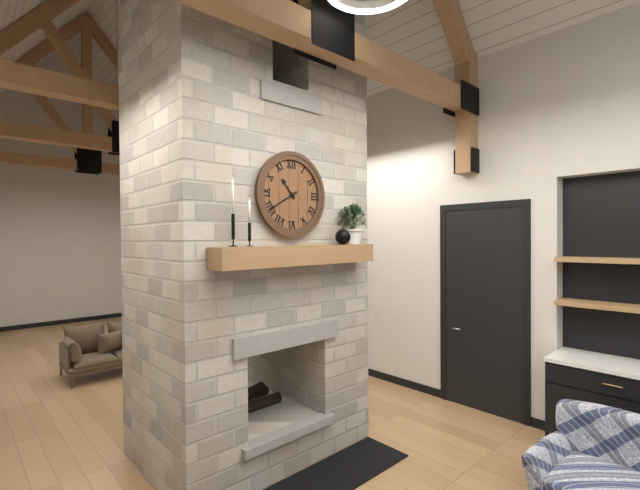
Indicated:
10.40
